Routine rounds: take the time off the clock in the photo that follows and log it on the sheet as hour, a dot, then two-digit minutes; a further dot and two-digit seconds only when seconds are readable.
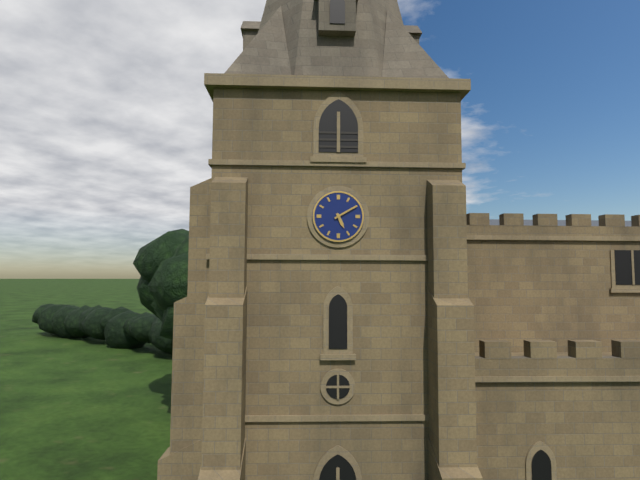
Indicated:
5.10
